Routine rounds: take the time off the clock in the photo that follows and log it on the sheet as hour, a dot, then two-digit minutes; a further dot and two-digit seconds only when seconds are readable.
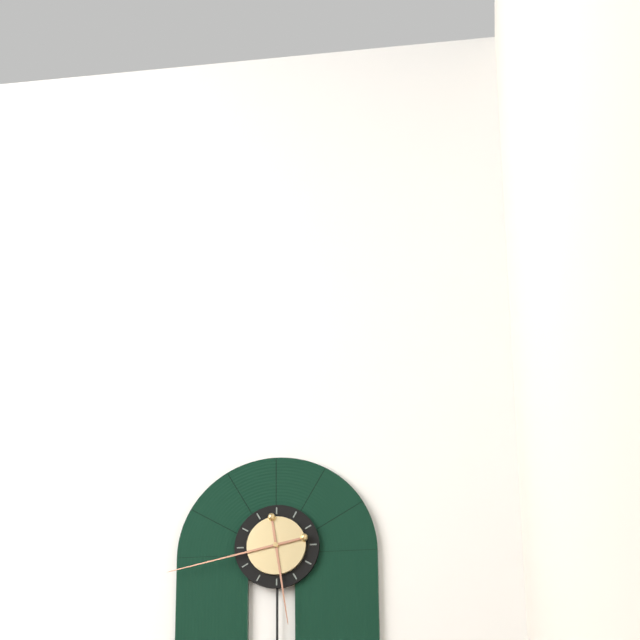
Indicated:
5.43
